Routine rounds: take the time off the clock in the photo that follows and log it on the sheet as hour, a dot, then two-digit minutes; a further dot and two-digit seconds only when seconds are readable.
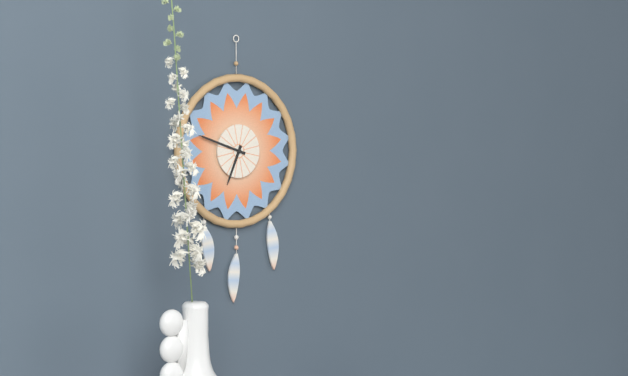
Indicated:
6.48
